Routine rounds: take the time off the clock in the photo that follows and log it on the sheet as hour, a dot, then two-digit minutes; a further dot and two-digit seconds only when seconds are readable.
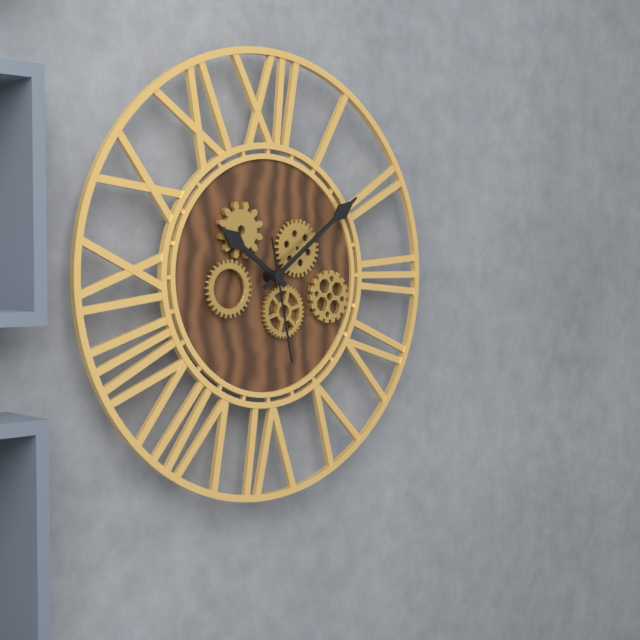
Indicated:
10.09.28
